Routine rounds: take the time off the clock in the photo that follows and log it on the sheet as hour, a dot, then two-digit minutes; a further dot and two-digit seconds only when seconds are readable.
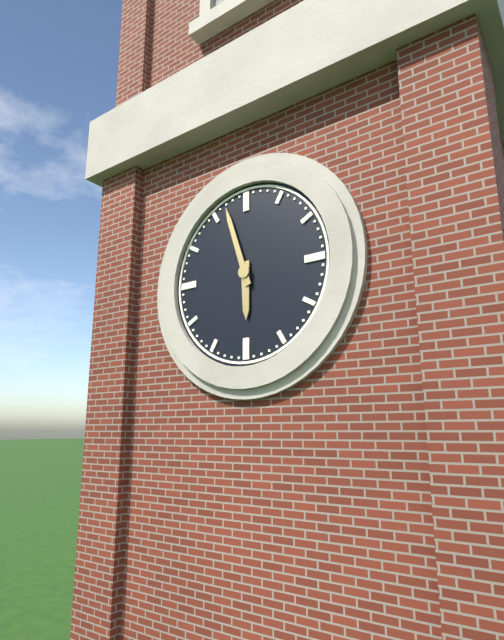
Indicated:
5.57
